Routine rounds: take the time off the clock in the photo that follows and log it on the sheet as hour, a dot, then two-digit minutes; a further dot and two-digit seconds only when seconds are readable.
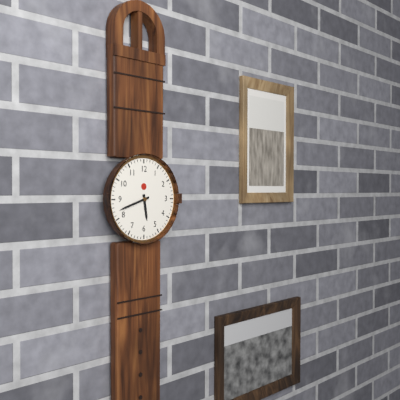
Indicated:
5.42
